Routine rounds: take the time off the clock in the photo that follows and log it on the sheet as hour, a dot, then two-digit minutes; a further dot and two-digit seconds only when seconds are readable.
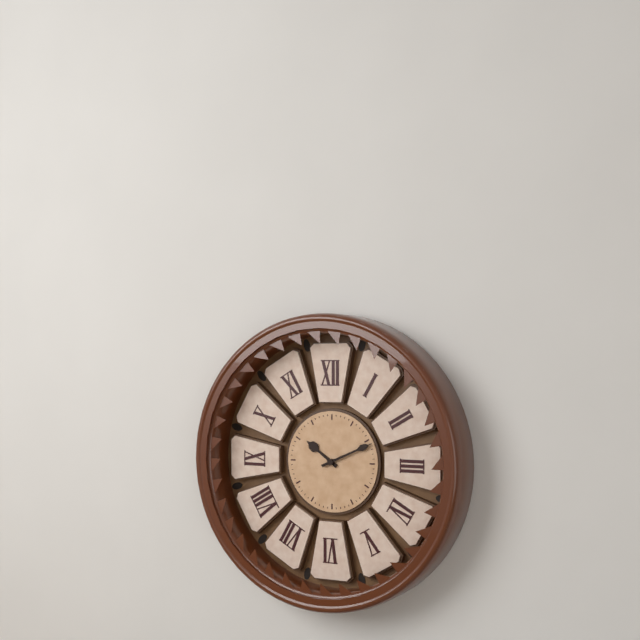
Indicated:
10.11
